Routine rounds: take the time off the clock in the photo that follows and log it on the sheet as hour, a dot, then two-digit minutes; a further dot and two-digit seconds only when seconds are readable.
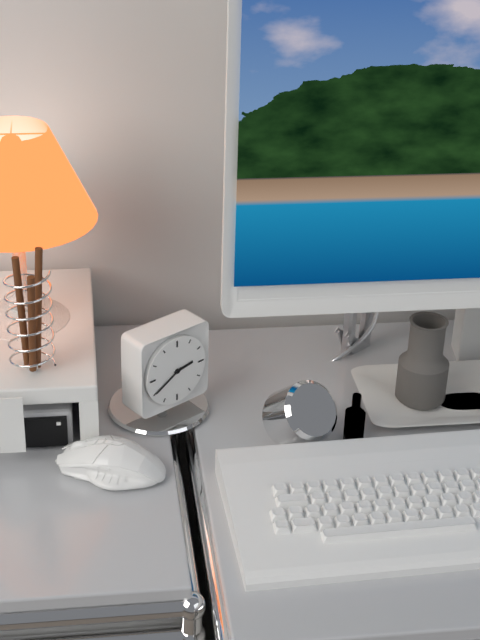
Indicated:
2.40
